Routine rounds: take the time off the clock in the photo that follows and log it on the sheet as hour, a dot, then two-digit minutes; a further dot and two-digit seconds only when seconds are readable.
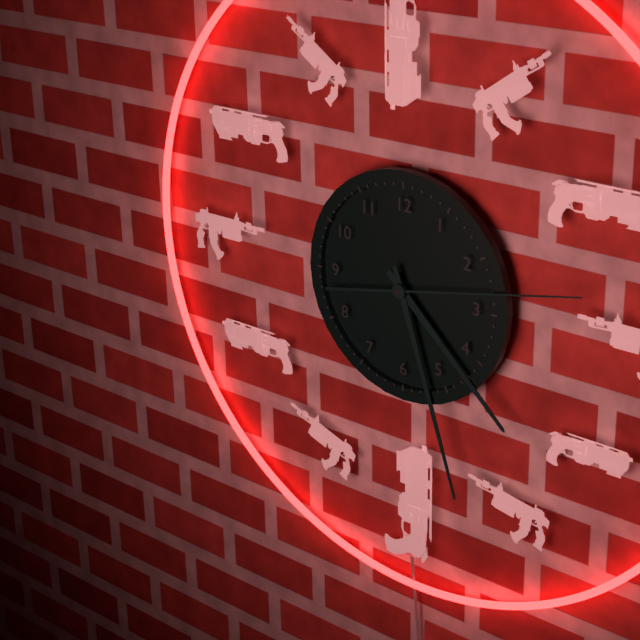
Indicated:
4.27.13
